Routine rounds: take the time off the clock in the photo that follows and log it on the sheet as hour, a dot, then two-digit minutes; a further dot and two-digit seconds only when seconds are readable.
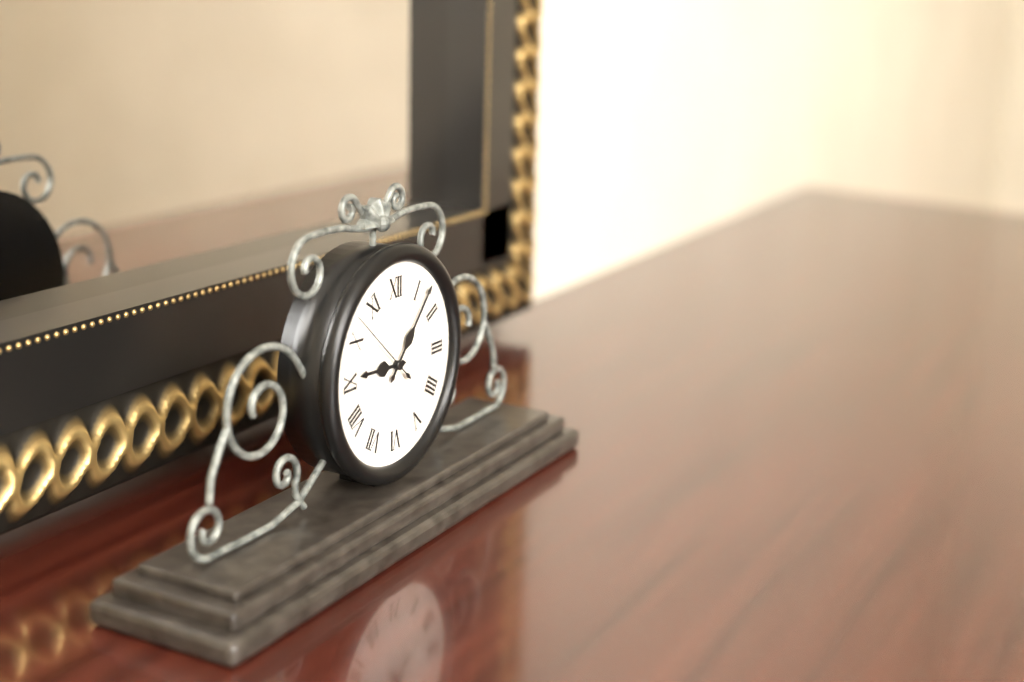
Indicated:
9.07.52
